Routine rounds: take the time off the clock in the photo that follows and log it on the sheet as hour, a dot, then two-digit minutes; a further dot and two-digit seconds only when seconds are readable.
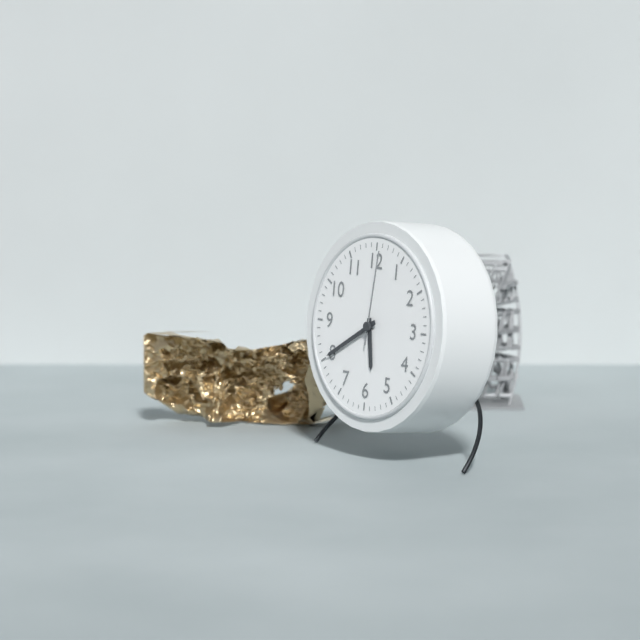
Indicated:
5.40.01
